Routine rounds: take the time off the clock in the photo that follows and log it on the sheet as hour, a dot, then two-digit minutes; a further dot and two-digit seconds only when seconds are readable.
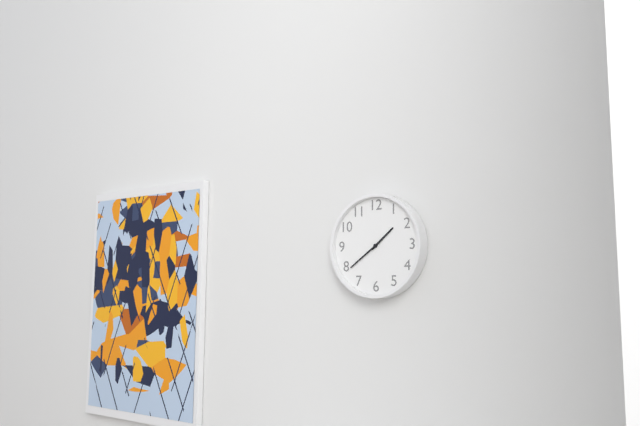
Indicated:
1.39
